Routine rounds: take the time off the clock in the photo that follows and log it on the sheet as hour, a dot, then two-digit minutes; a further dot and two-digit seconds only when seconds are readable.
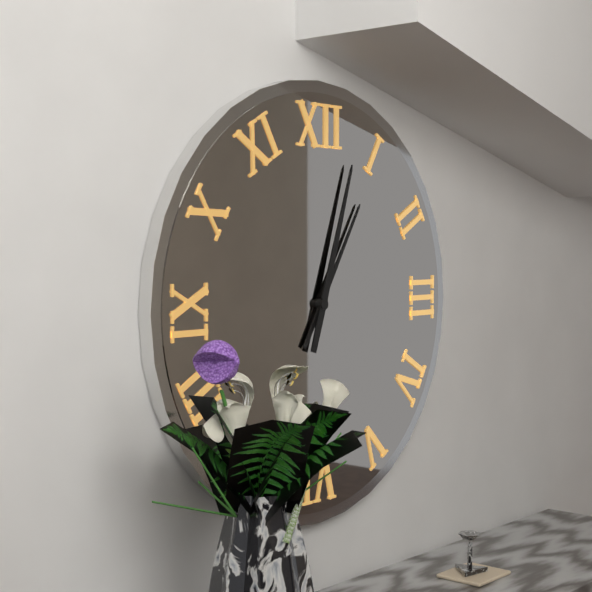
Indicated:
1.03
